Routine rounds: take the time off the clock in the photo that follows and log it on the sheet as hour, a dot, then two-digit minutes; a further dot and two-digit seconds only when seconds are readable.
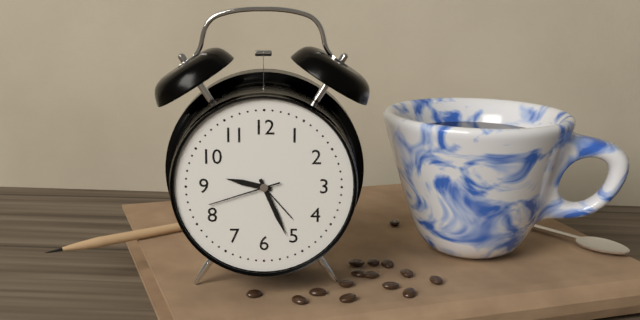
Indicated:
9.26.42
